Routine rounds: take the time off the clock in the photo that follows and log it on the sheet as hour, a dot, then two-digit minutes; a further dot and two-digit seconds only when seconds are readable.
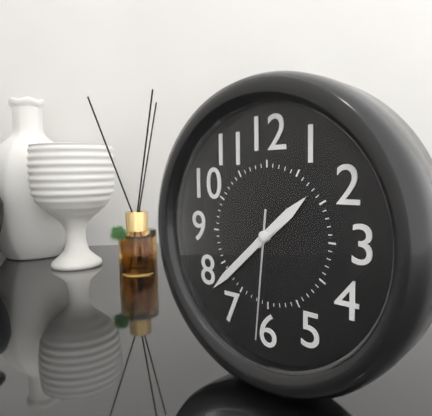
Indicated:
1.38.31
